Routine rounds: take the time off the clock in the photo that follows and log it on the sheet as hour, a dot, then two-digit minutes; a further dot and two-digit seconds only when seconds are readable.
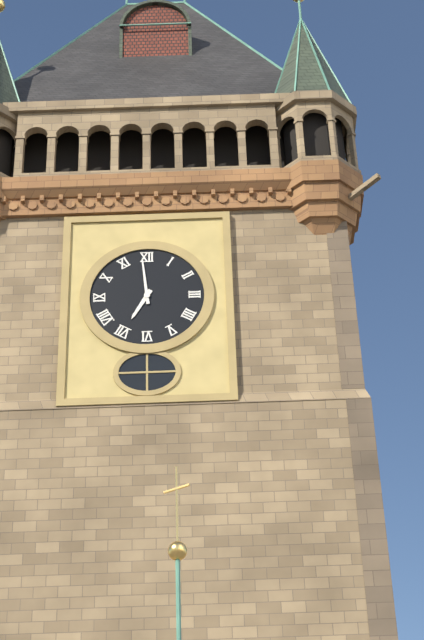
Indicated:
6.59
